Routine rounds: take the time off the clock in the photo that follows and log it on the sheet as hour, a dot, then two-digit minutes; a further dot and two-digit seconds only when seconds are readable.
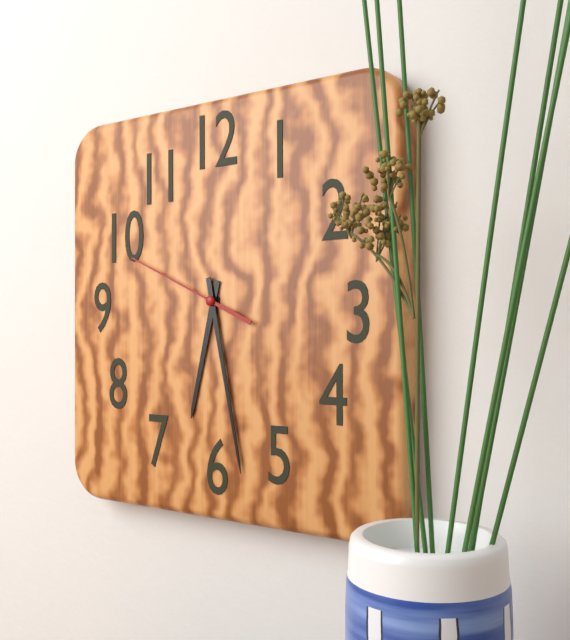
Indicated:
6.28.49
